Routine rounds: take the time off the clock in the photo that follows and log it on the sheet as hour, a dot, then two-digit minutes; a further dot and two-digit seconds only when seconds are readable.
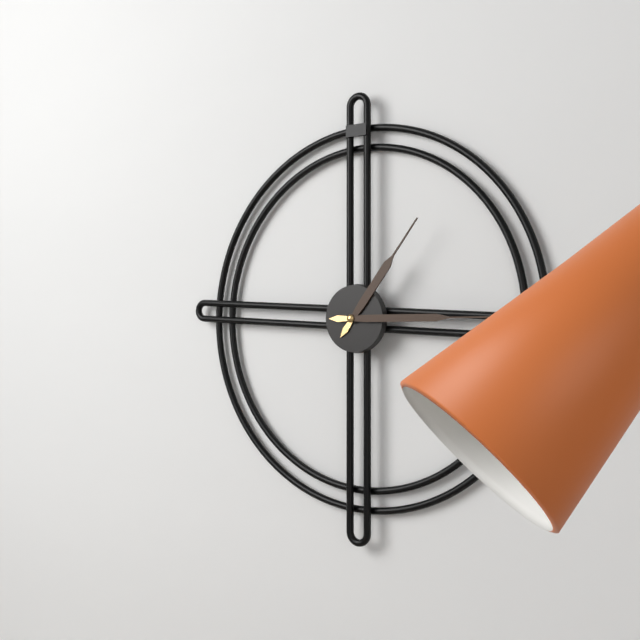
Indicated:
1.15
